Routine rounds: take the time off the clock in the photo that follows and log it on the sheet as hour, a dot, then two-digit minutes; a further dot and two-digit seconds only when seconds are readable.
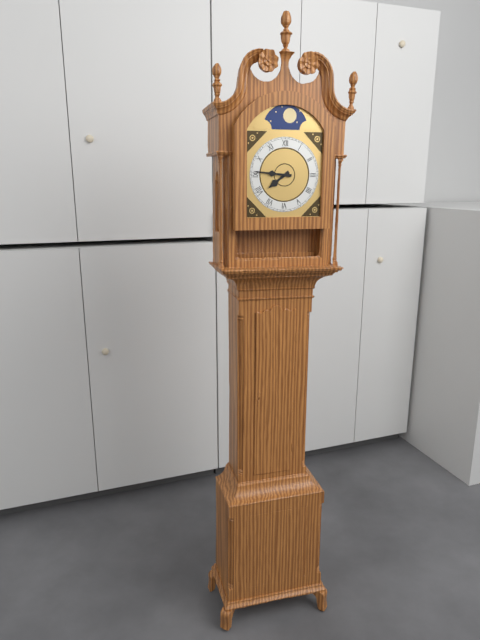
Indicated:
7.46
